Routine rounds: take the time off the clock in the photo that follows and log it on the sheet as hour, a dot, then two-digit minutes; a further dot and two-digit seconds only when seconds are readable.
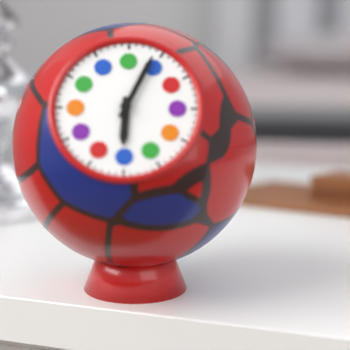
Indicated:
6.04
